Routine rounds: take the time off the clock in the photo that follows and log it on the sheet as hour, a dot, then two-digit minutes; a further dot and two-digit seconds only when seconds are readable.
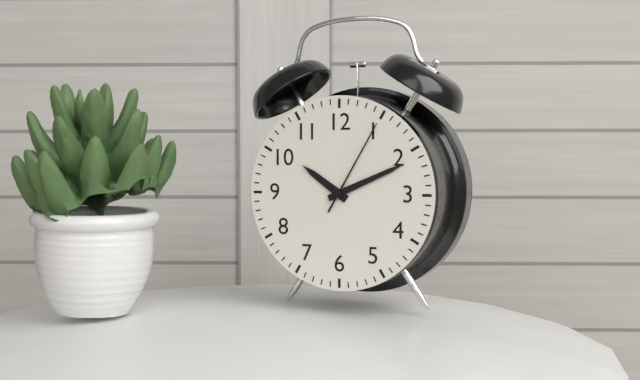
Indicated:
10.11.05
